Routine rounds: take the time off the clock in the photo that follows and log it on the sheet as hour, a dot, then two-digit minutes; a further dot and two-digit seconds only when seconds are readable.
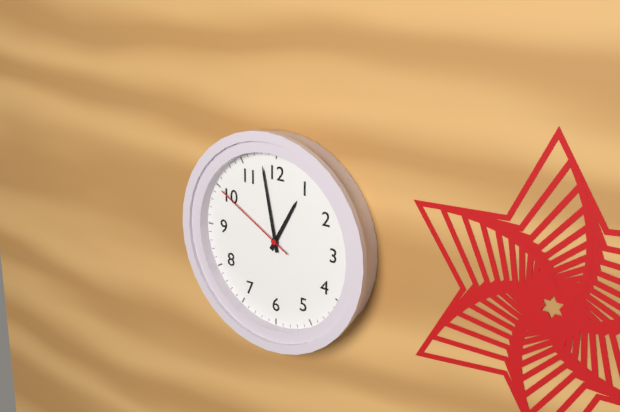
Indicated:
12.58.50
